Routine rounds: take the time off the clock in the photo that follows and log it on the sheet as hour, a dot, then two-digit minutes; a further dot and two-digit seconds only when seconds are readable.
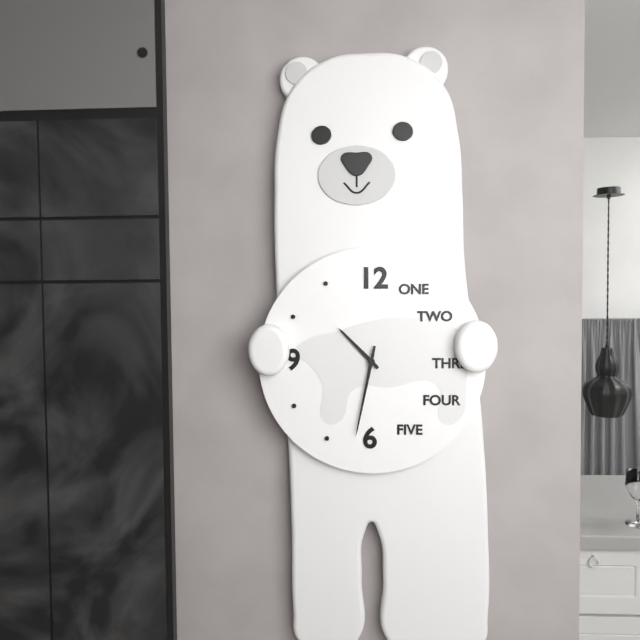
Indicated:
10.32
